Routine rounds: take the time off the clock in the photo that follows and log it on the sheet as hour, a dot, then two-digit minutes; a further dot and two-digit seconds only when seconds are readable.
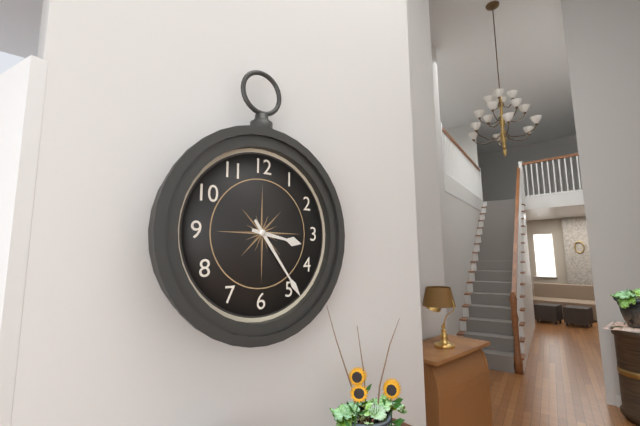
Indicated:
3.24
